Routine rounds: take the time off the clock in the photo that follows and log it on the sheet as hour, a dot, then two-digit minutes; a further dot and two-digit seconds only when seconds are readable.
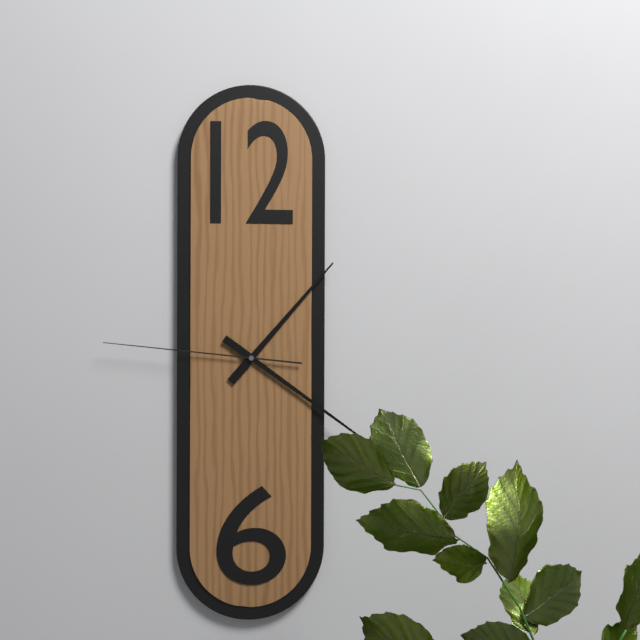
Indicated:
1.21.46
